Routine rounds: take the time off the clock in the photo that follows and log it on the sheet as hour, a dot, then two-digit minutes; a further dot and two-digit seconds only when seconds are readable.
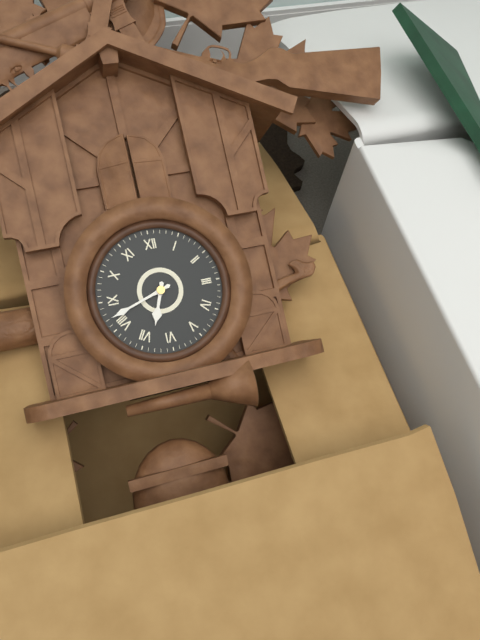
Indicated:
6.42
